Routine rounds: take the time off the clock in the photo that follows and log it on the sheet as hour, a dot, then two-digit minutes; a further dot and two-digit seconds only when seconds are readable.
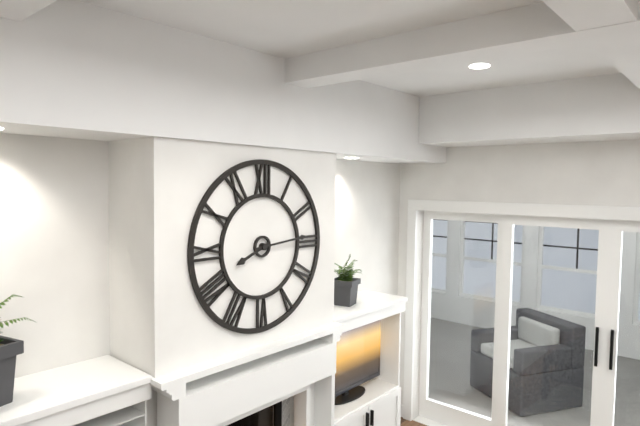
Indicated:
8.14
